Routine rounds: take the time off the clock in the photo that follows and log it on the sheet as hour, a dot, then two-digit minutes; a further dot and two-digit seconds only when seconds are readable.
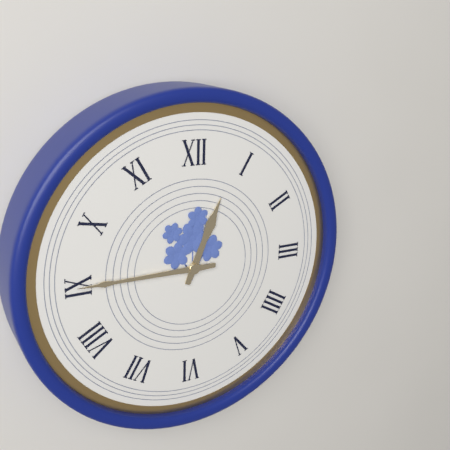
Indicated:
12.45
